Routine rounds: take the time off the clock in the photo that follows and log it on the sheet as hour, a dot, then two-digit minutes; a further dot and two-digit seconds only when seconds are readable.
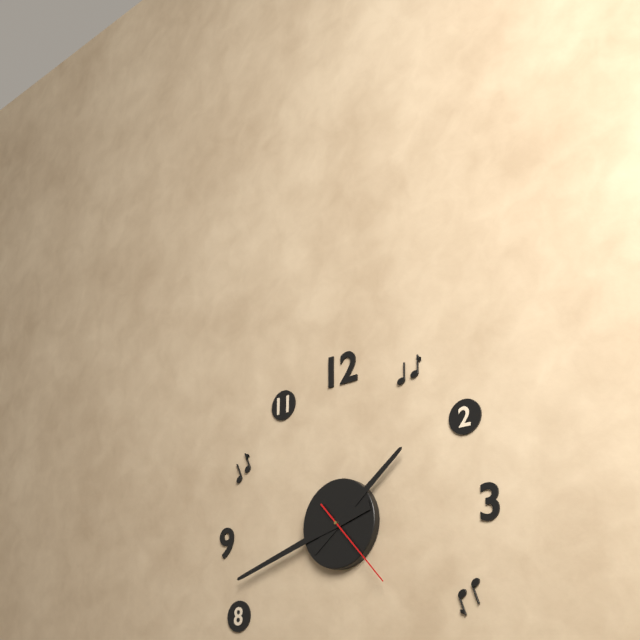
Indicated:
1.42.23
